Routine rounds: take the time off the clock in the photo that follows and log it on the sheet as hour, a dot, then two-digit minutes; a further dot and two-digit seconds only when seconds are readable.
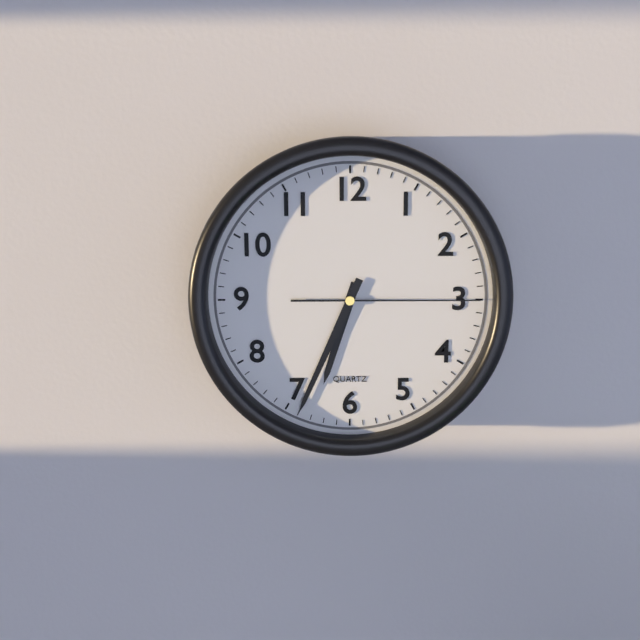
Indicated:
6.34.15
